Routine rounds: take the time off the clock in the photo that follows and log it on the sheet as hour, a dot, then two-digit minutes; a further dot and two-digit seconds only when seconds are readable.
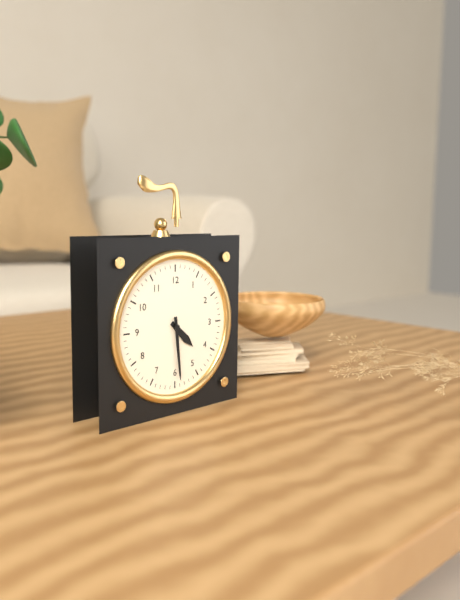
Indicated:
4.29
